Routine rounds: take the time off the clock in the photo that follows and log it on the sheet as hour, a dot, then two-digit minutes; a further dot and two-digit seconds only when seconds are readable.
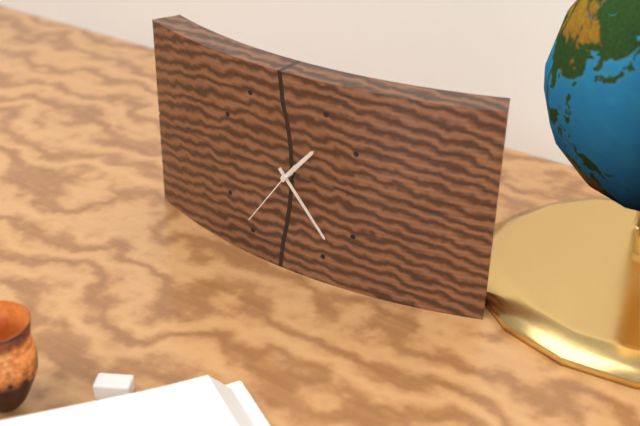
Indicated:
1.23.36
